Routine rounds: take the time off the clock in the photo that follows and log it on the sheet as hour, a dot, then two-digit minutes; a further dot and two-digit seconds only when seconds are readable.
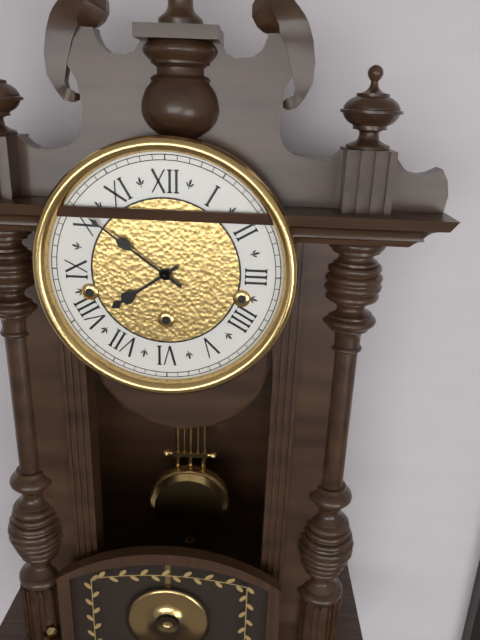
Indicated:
7.51
